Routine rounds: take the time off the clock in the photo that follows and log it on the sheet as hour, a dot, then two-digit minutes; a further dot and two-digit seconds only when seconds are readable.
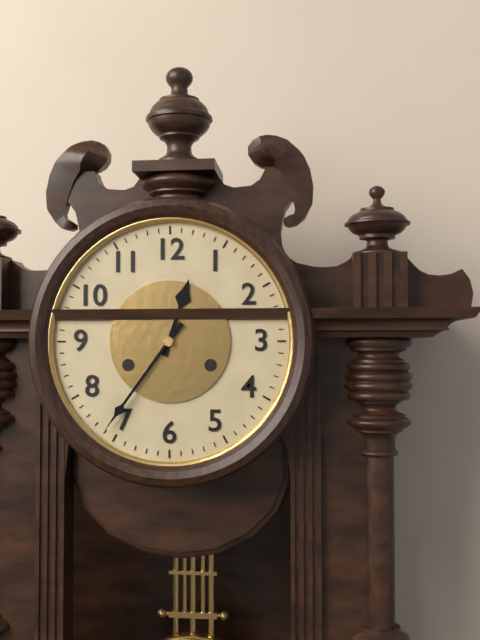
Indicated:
12.36
